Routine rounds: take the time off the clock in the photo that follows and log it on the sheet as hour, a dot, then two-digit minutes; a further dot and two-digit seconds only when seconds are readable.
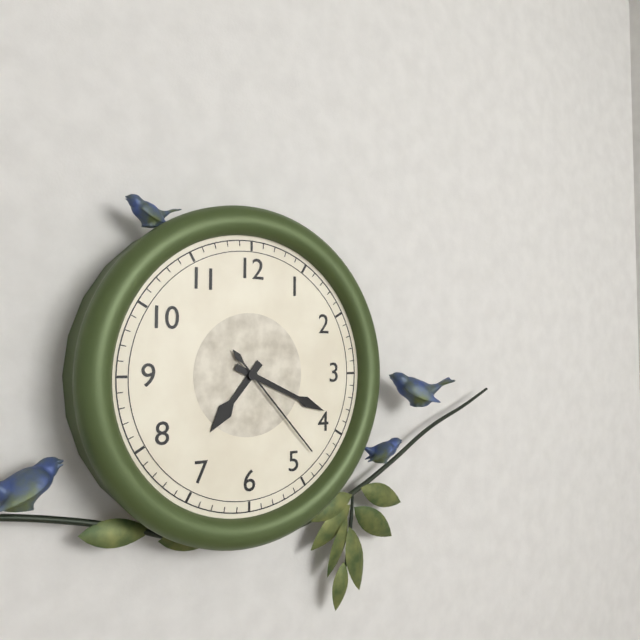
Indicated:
7.19.23
